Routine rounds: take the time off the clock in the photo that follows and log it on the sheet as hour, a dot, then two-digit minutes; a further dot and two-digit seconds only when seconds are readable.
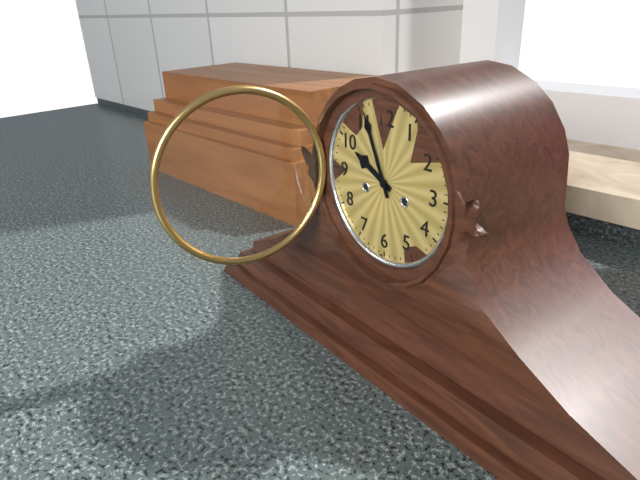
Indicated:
9.56
